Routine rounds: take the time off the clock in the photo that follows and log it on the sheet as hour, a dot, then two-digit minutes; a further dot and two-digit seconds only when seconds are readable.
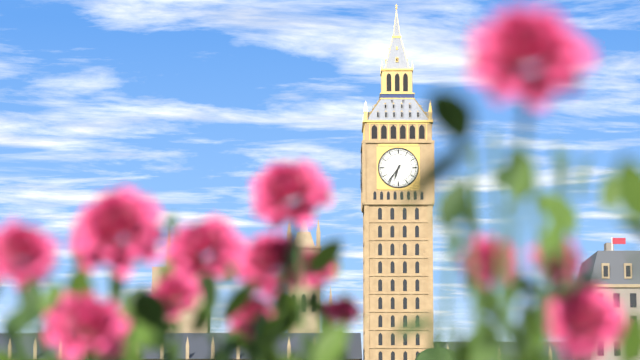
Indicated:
6.36
